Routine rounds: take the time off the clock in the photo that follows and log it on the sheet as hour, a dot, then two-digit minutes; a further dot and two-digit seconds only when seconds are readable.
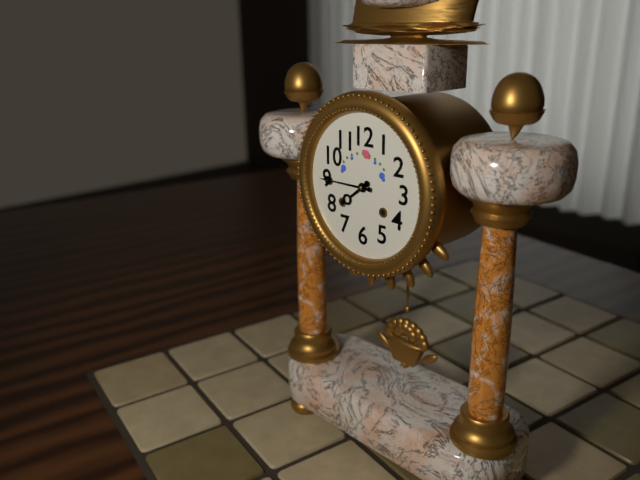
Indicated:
7.45
